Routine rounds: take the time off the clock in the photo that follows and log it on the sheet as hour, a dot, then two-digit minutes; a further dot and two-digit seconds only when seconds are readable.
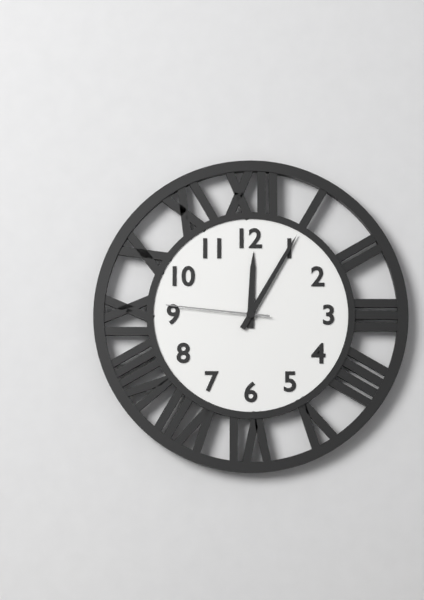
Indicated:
12.05.46
